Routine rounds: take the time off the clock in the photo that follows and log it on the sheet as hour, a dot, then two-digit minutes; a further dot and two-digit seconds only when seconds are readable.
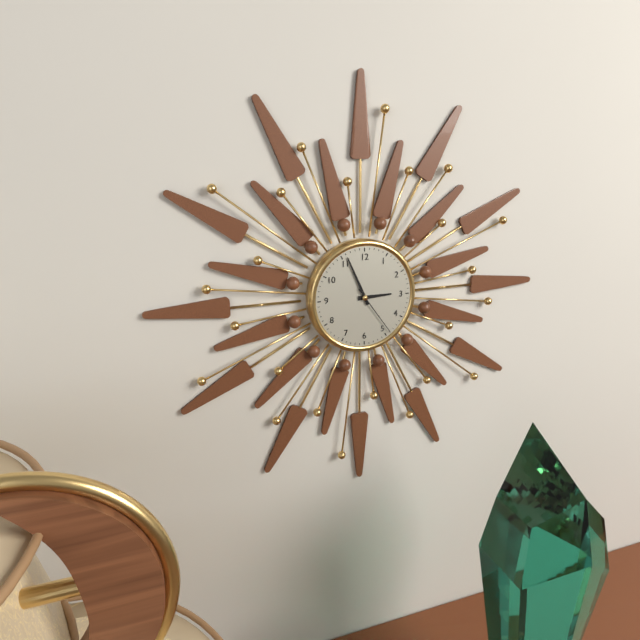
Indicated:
2.56.24
